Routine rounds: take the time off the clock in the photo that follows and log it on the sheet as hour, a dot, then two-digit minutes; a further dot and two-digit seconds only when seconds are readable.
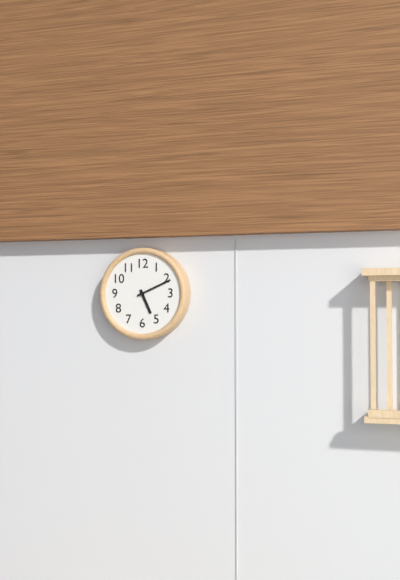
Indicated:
5.11
